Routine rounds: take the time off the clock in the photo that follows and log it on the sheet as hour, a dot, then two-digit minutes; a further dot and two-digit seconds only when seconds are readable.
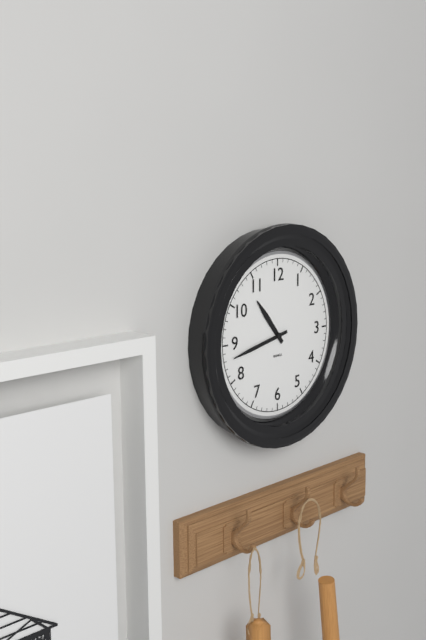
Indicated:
10.43
